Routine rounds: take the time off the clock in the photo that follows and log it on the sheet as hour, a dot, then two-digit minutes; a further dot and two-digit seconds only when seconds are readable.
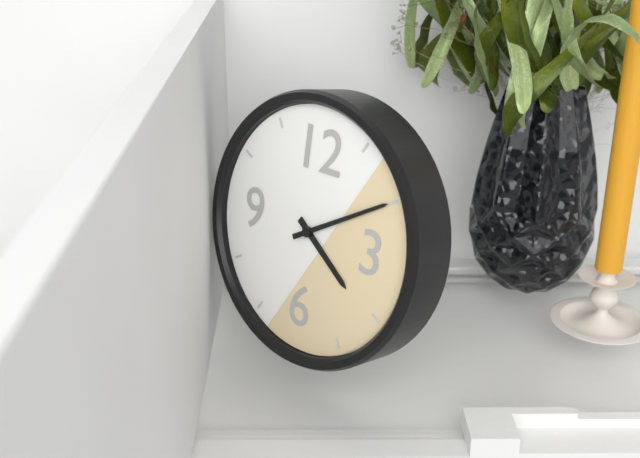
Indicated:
4.10
